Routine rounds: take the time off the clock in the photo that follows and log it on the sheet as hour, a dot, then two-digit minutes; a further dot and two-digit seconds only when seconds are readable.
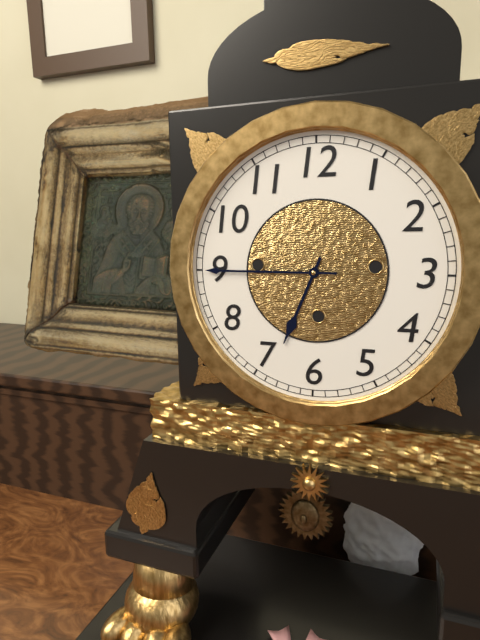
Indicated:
6.45
